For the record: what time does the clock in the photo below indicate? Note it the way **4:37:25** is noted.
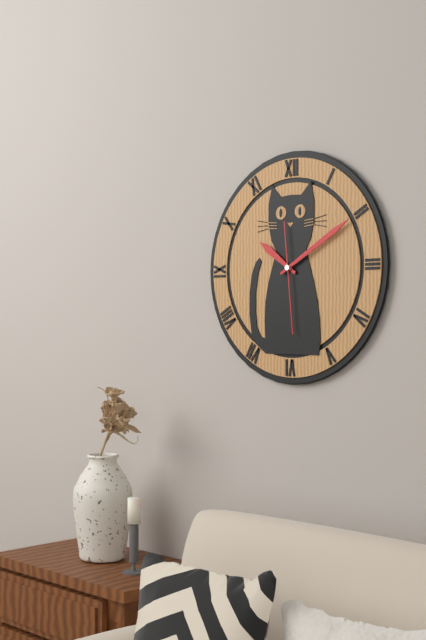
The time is **10:10:29**
